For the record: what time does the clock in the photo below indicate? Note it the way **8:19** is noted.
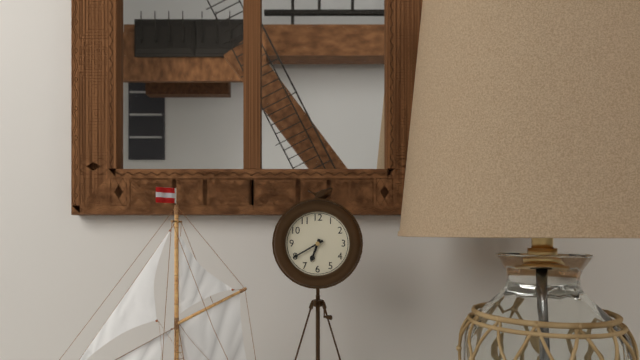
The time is **6:40**
